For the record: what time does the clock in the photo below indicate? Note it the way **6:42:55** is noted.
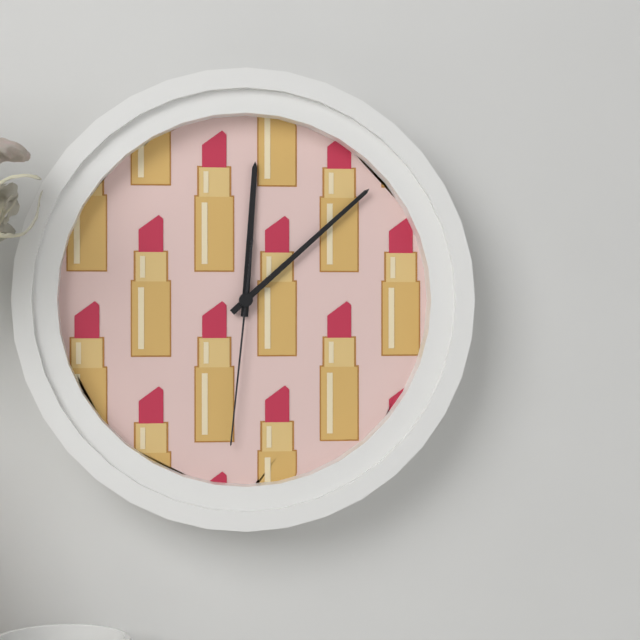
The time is **12:08:31**
